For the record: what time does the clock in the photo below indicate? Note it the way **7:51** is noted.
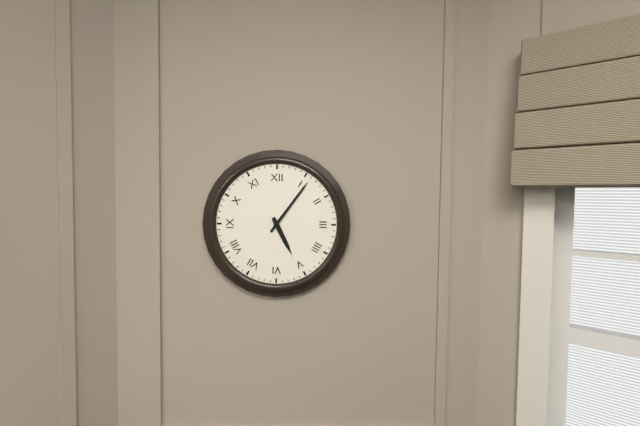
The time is **5:06**
